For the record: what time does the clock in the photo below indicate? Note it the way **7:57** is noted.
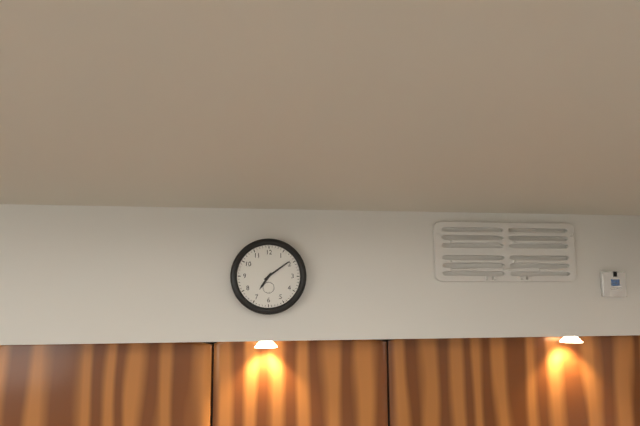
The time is **7:09**
